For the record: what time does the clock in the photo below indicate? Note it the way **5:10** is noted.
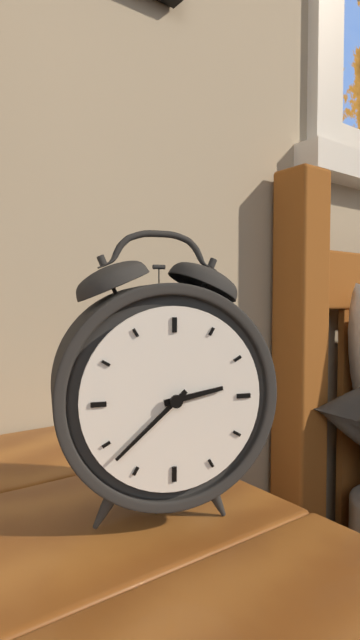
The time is **2:38**
